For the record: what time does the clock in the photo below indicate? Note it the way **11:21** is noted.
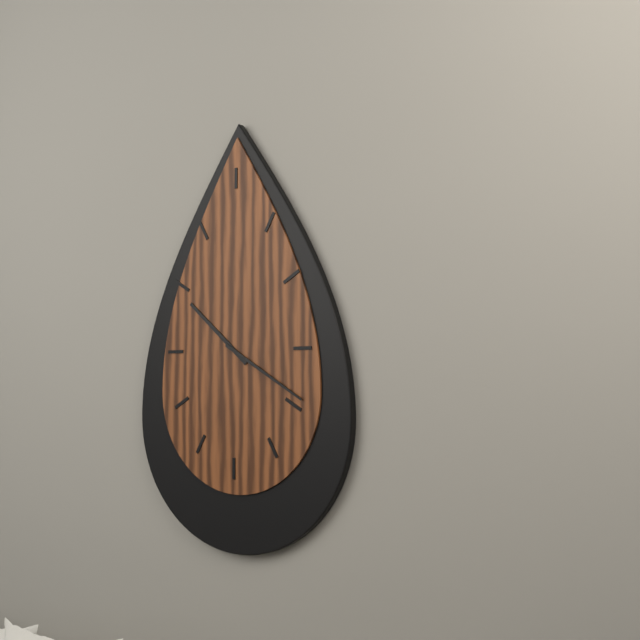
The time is **10:20**
